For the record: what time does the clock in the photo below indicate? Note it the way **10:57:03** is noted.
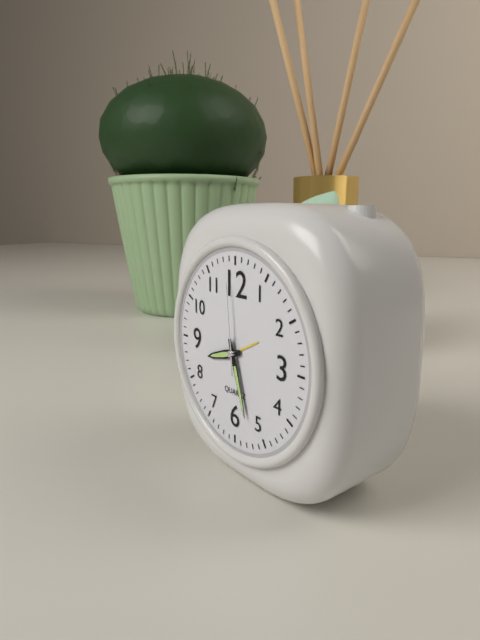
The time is **8:27:59**
